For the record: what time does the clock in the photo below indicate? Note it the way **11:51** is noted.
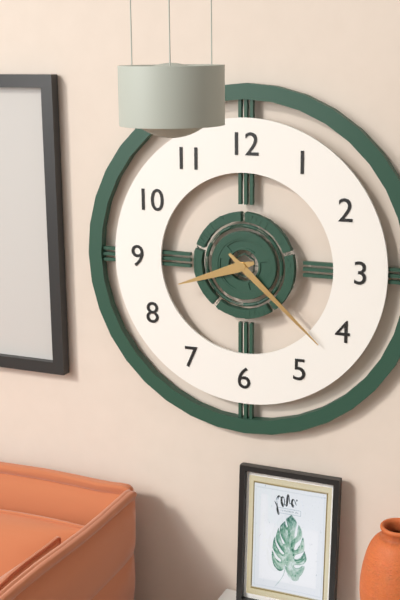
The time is **8:22**
